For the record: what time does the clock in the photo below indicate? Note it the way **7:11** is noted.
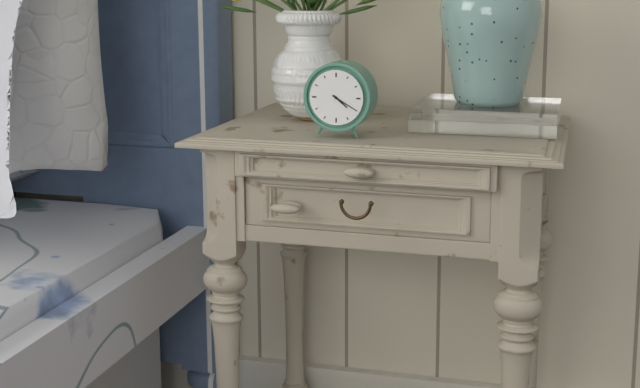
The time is **4:20**
